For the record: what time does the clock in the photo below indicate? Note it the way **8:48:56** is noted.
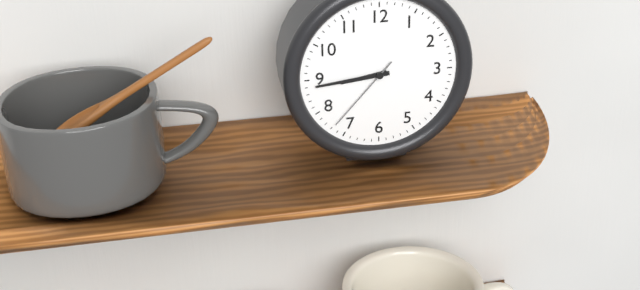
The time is **8:44:37**
